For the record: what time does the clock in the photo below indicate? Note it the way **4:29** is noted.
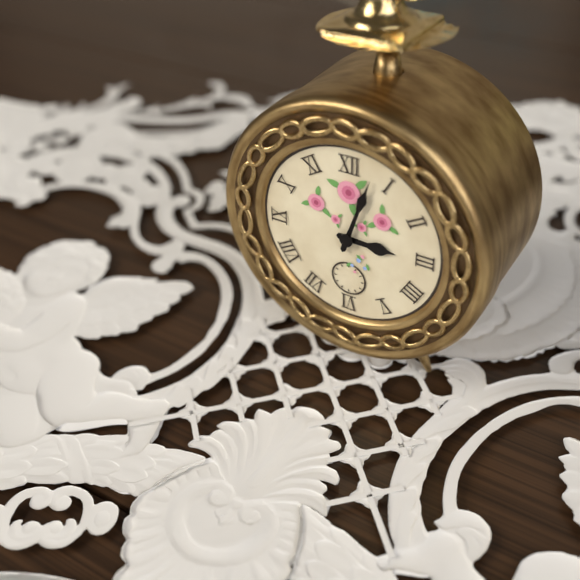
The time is **3:03**
